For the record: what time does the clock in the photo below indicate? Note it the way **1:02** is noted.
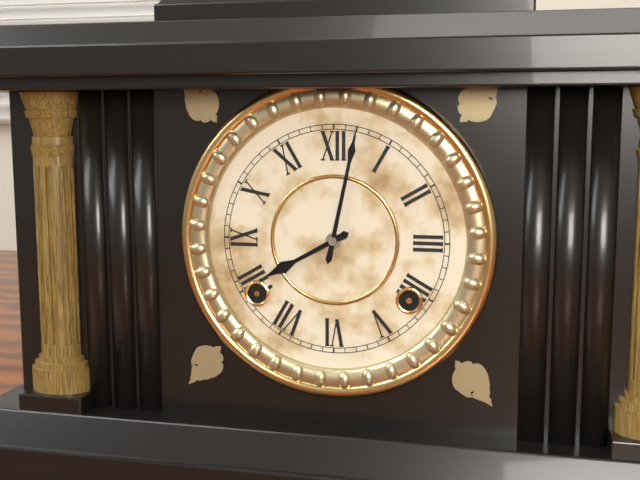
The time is **8:02**
